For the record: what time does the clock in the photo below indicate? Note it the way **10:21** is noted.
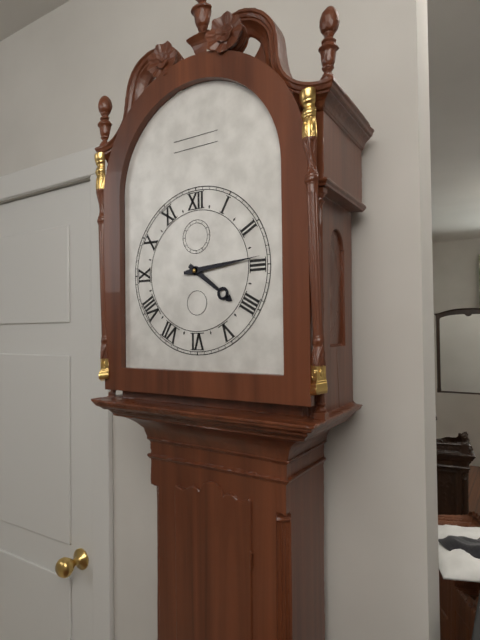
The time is **4:14**
